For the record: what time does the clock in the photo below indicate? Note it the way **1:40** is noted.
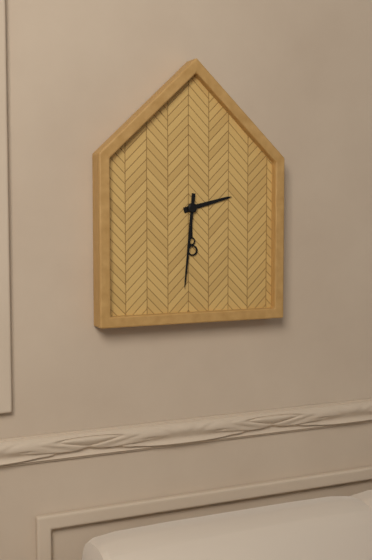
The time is **2:31**
